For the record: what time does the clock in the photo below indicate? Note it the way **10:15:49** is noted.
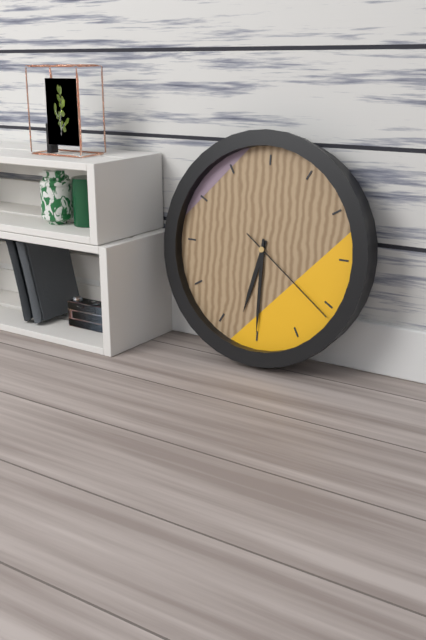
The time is **6:30:21**
